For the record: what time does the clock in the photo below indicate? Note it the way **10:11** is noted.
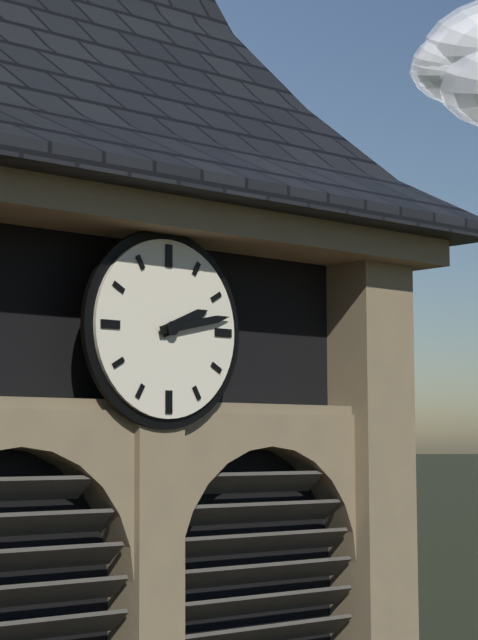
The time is **2:13**
